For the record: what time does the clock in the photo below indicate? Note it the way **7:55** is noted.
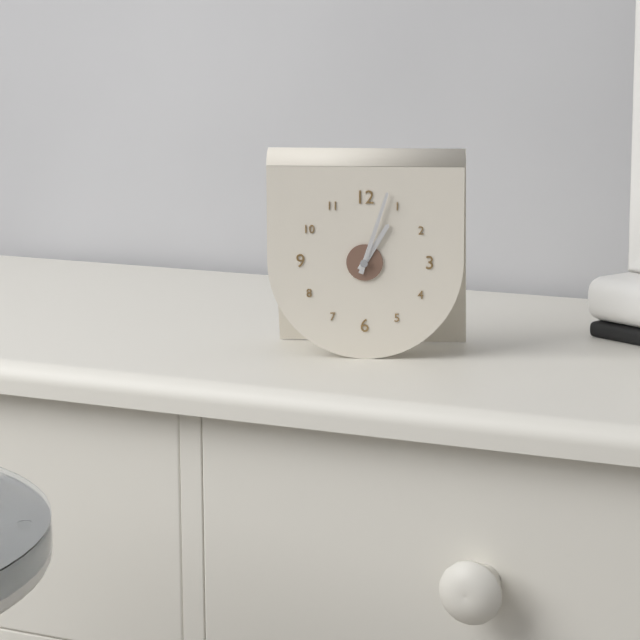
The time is **1:03**
